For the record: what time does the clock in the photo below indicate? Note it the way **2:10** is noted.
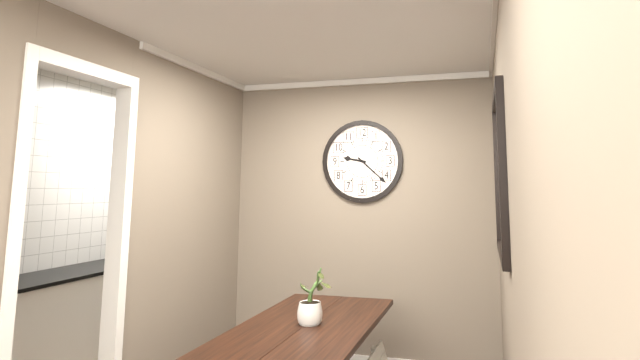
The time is **9:22**
